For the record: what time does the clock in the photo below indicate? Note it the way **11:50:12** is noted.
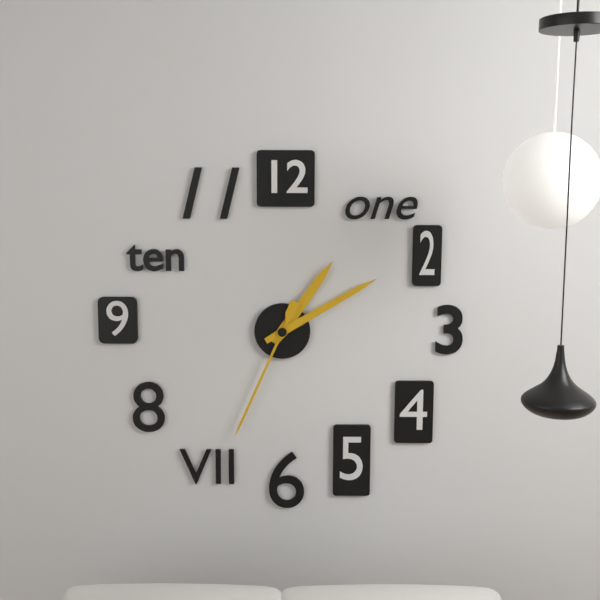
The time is **1:10:34**
